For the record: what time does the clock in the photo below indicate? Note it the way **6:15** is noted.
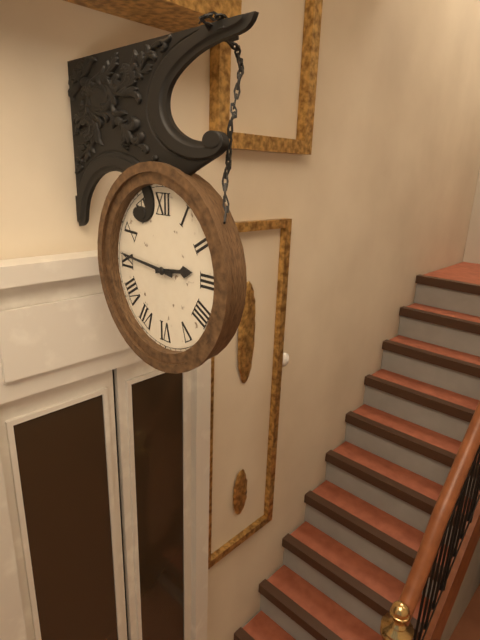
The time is **2:46**
